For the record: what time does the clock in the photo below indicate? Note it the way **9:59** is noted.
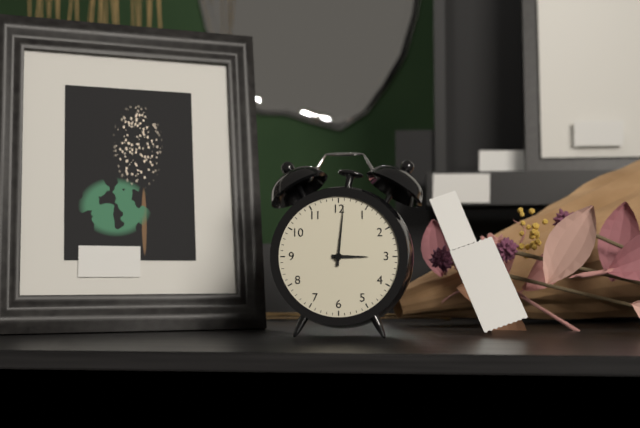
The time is **3:01**
